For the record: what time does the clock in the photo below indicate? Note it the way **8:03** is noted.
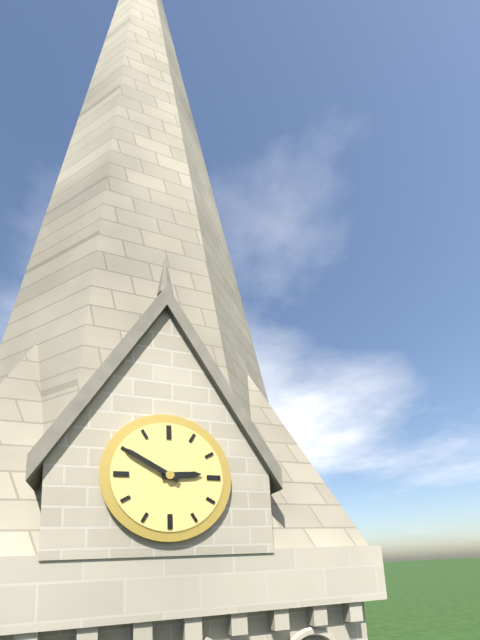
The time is **2:50**
